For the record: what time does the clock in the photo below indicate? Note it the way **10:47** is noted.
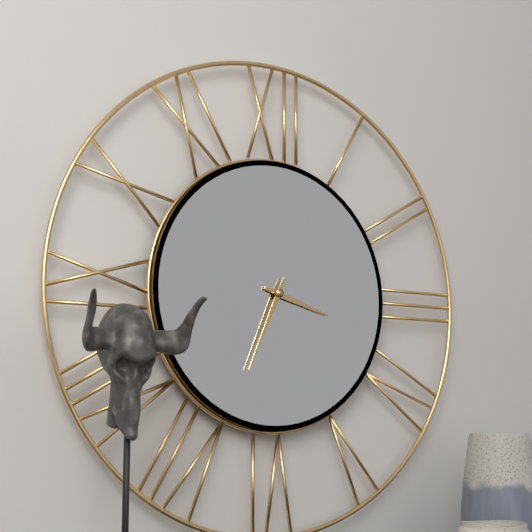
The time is **3:34**
